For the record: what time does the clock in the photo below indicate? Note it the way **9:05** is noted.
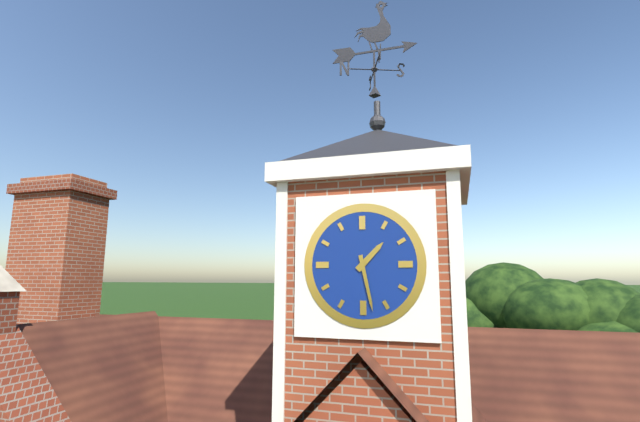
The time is **1:28**
